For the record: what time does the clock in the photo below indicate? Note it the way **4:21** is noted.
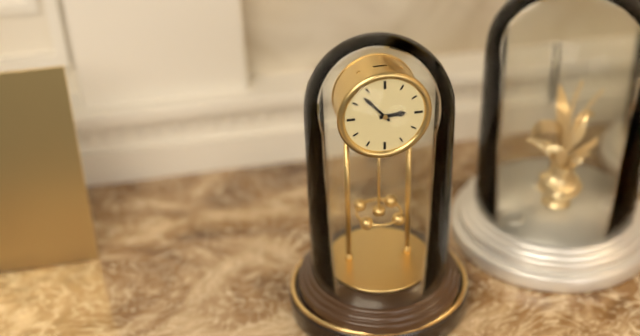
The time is **2:53**
